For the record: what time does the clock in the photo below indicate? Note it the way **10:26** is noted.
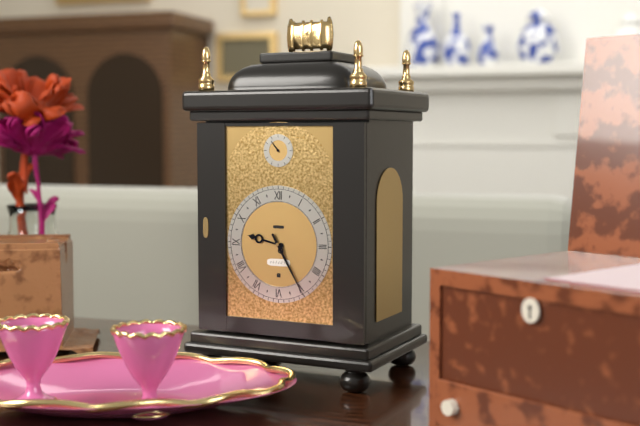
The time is **9:25**
